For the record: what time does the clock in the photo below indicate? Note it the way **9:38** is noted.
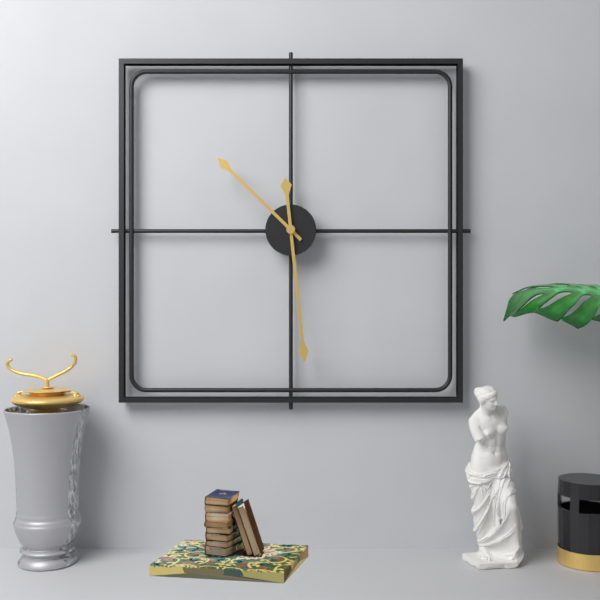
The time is **10:29**
